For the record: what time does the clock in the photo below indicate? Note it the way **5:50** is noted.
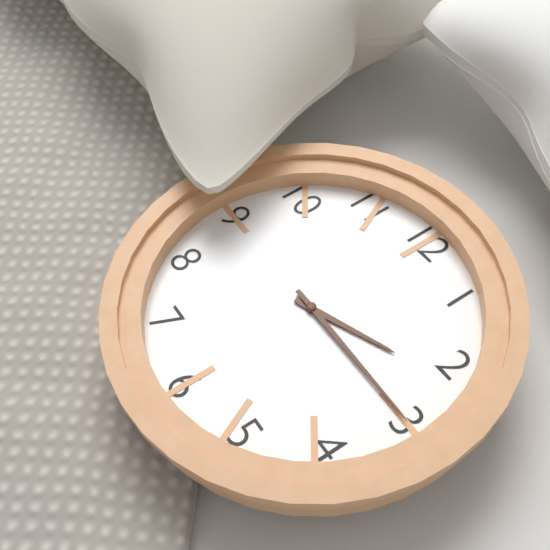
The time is **2:15**
